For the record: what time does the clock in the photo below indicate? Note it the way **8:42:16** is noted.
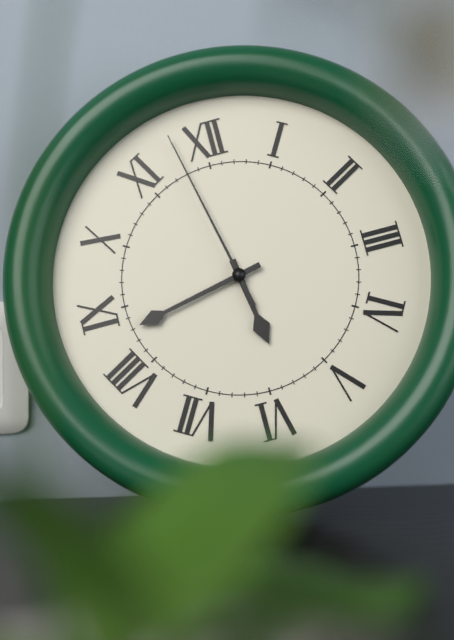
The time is **5:43:58**
